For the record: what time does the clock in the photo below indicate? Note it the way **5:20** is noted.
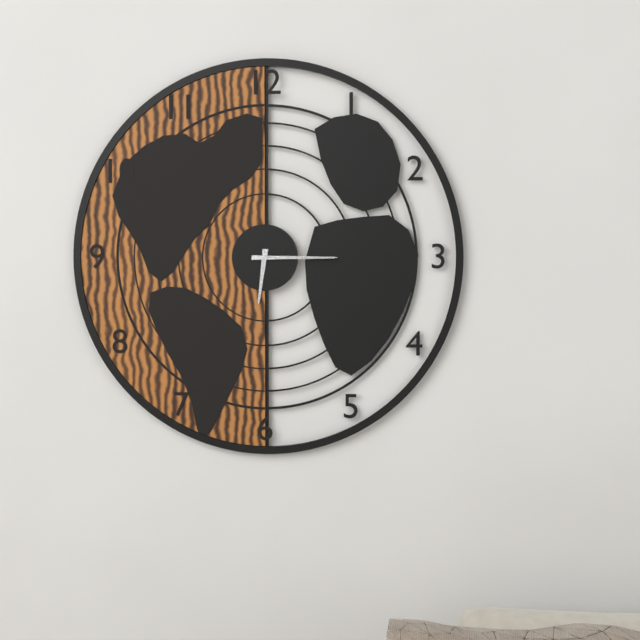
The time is **6:15**
